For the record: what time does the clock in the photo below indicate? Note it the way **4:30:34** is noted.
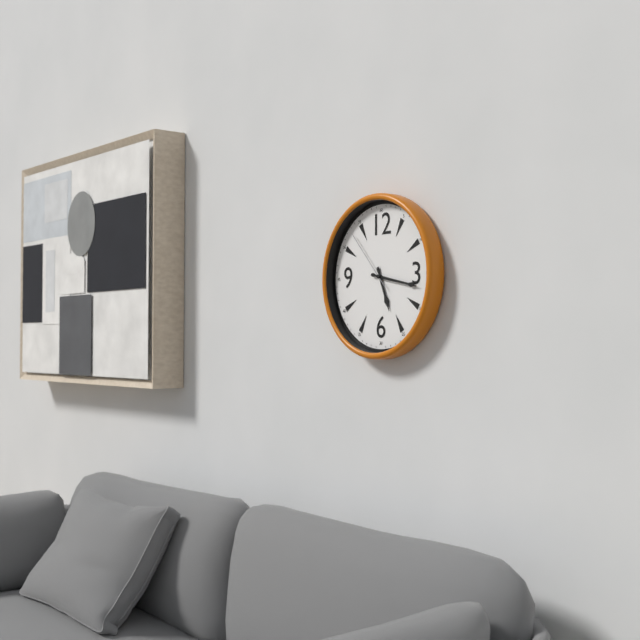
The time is **5:17:53**
